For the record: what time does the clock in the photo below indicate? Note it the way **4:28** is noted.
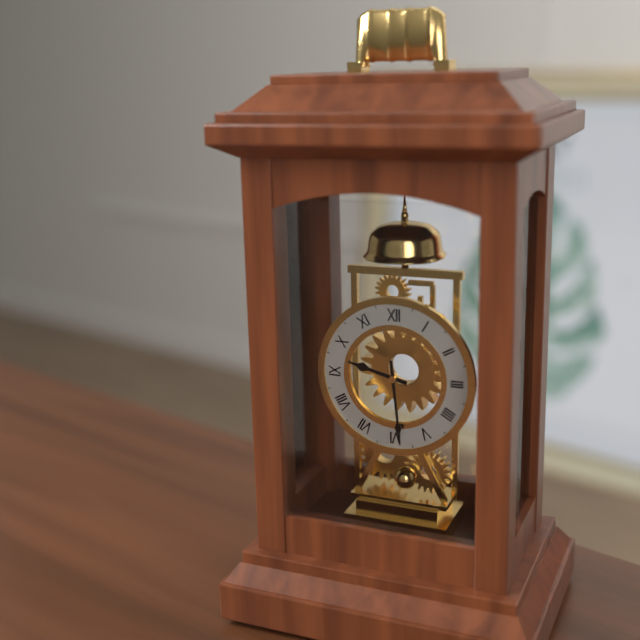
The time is **9:29**
